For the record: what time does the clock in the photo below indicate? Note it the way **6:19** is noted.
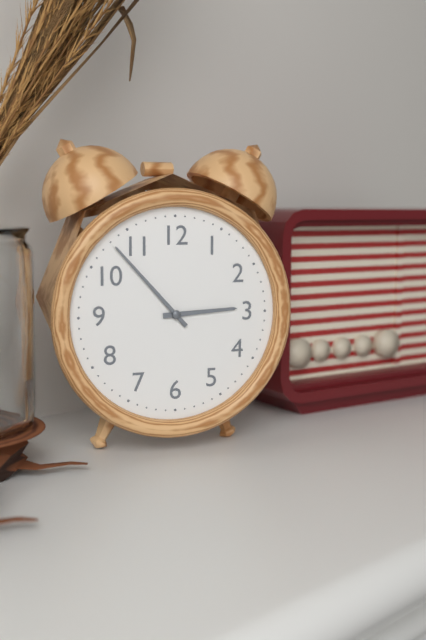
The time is **2:53**
